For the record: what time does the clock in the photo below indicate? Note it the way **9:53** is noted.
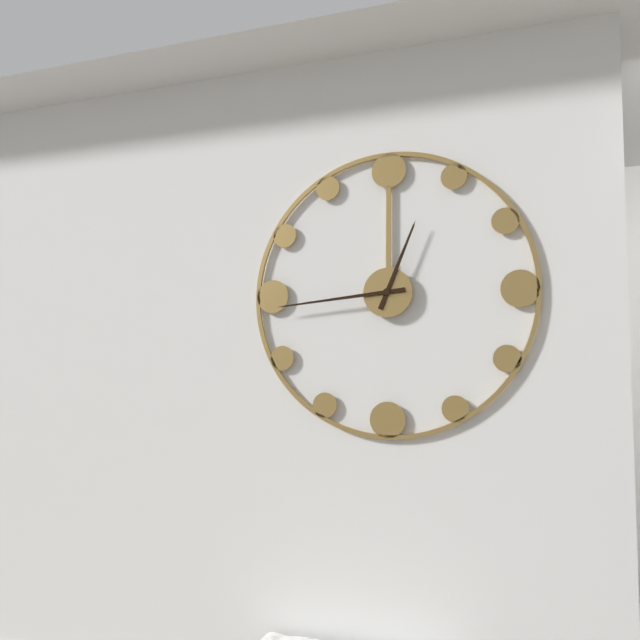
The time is **12:44**
